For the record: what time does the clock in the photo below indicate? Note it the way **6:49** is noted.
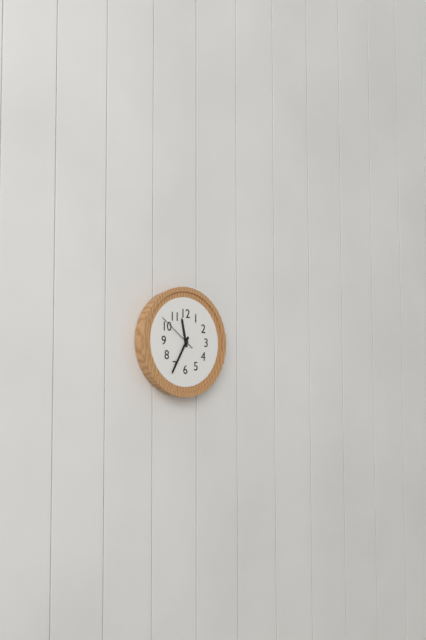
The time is **11:35**
